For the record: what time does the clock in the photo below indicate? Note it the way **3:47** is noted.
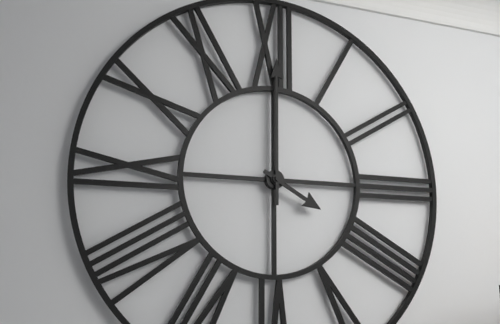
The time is **4:00**
